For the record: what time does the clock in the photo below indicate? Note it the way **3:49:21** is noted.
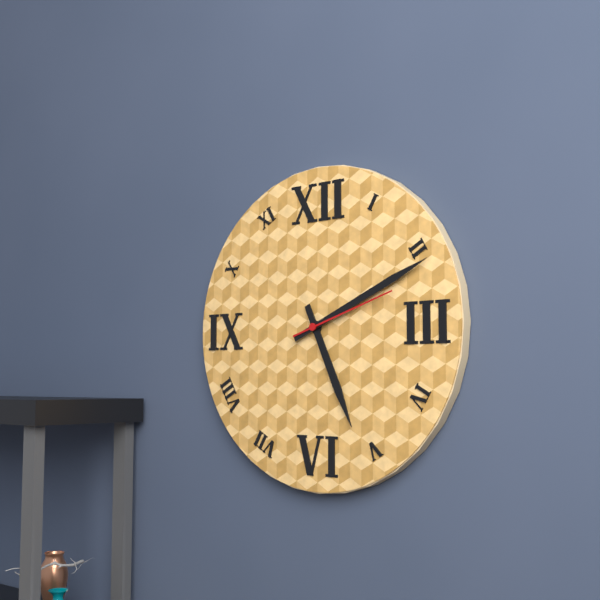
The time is **5:11:12**
